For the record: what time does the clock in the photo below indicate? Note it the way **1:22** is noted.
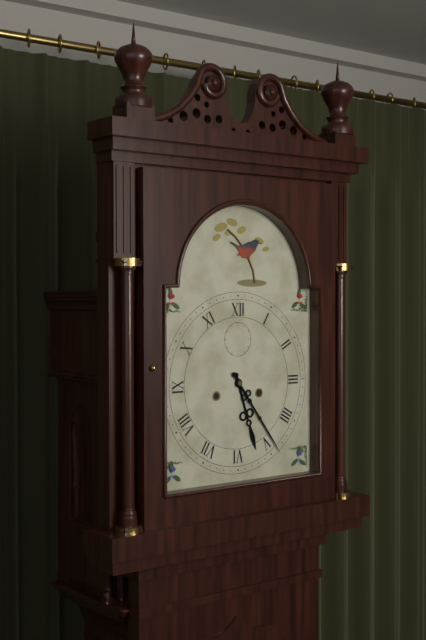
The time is **5:24**
